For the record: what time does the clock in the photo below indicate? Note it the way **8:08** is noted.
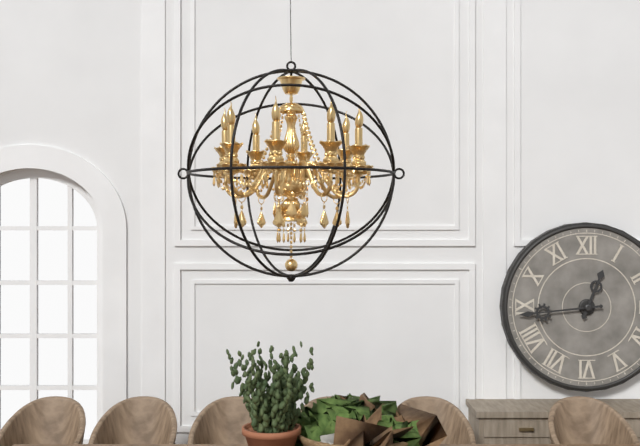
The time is **12:44**
